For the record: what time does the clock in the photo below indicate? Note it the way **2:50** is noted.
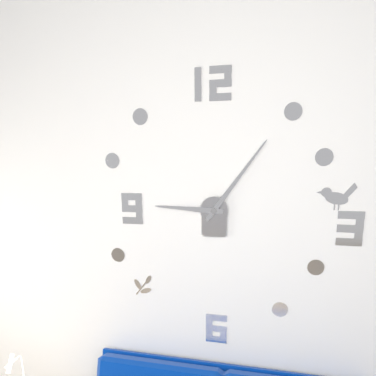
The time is **9:06**
